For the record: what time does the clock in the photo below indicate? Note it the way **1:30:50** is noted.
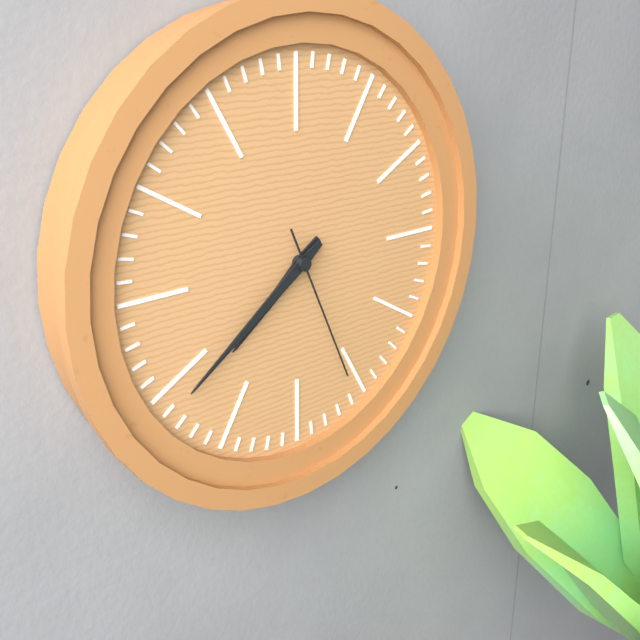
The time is **7:39:26**
